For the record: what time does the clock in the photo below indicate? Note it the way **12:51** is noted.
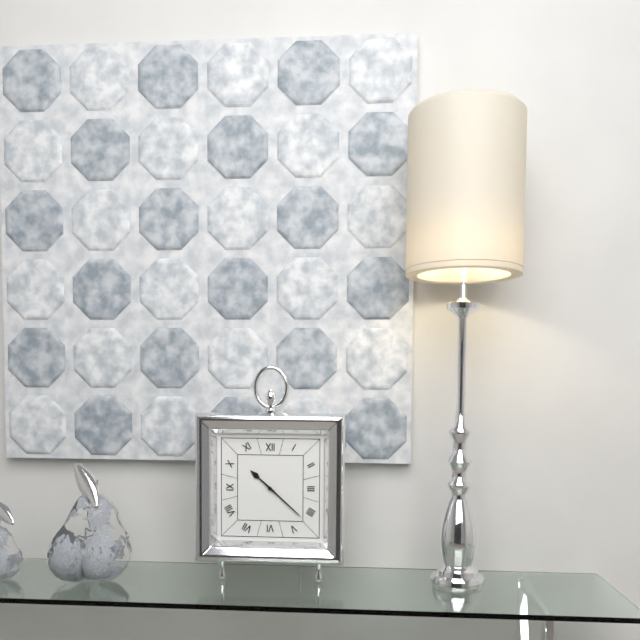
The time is **10:22**
